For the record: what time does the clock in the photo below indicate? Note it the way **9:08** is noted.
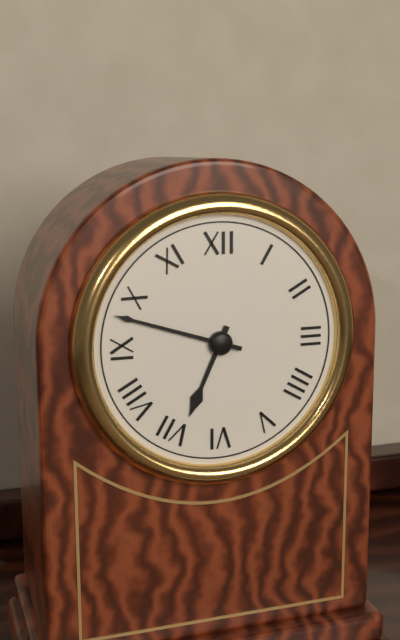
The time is **6:48**
